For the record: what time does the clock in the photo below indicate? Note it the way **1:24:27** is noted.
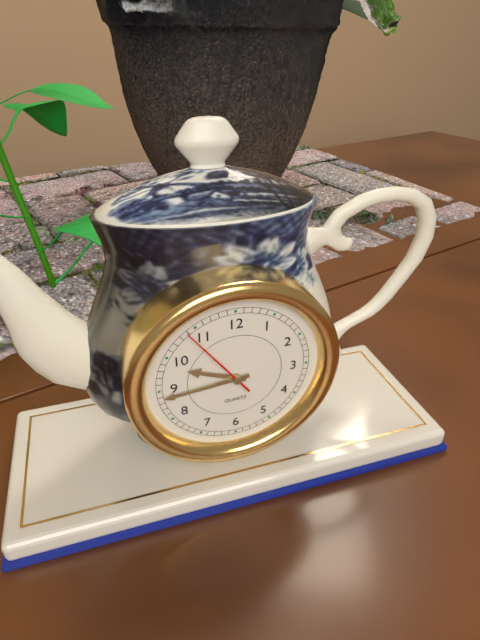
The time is **9:44:54**
